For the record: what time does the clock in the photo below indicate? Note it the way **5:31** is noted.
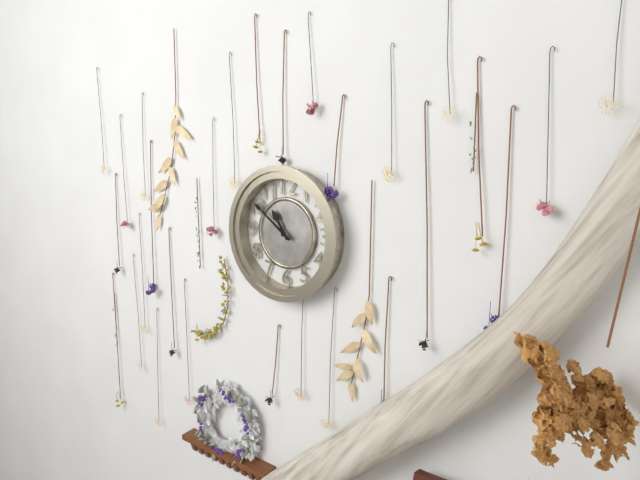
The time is **10:51**
